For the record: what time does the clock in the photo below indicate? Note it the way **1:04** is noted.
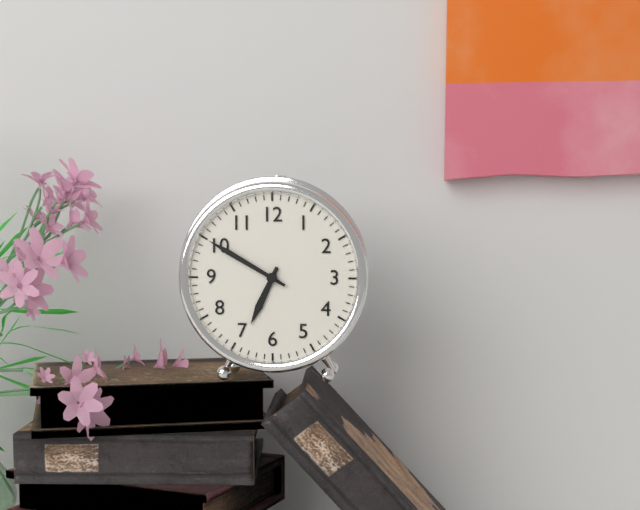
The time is **6:50**
